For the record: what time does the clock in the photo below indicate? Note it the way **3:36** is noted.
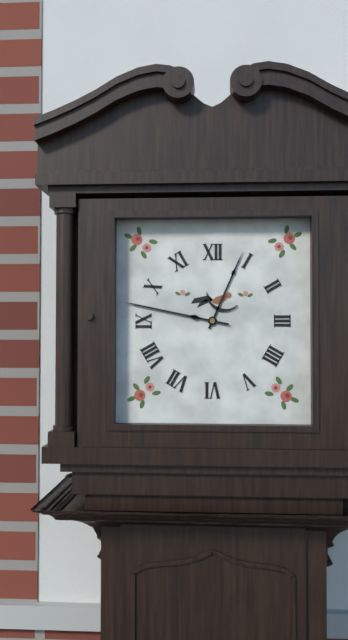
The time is **12:47**
